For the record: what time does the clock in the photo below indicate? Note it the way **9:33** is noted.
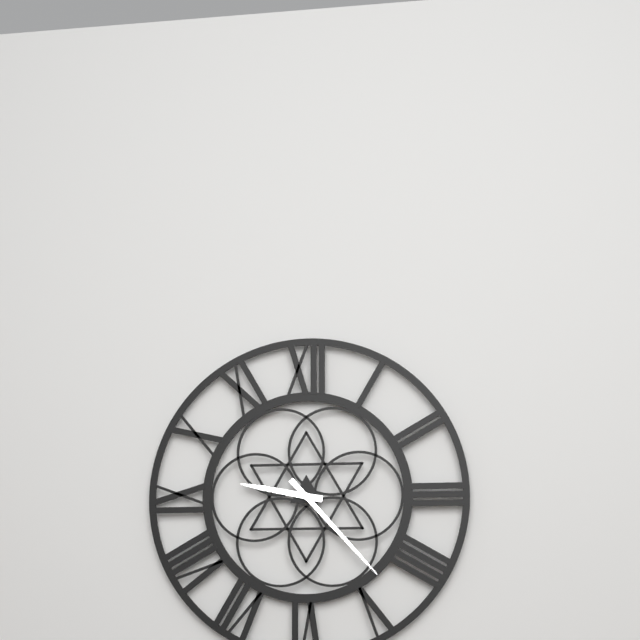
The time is **9:23**
